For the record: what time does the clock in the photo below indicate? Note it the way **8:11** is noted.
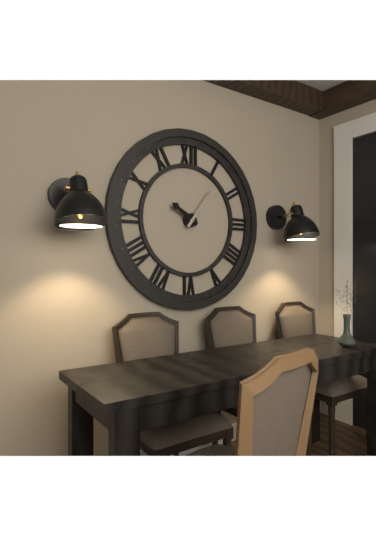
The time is **10:06**
